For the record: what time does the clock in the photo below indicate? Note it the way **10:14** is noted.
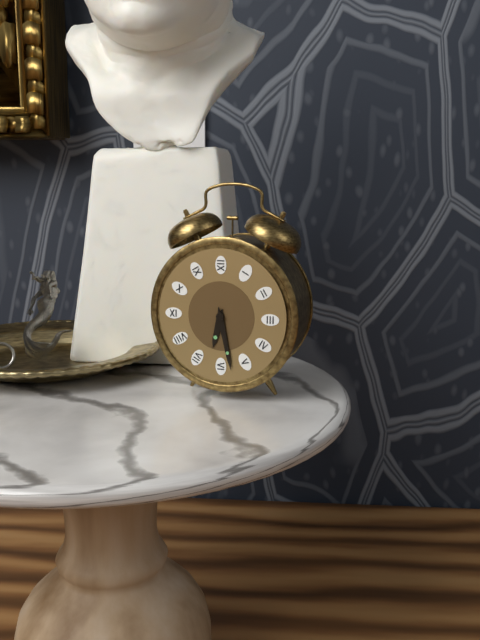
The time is **6:28**
